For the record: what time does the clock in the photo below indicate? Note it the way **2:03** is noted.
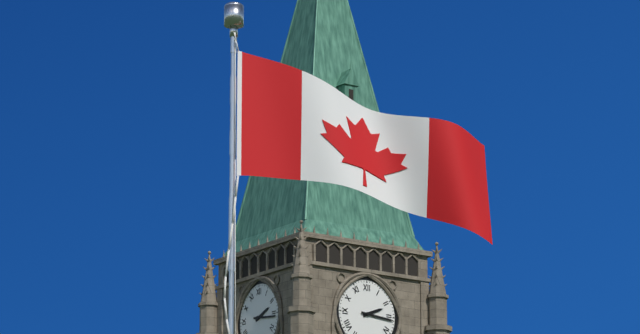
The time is **2:16**
